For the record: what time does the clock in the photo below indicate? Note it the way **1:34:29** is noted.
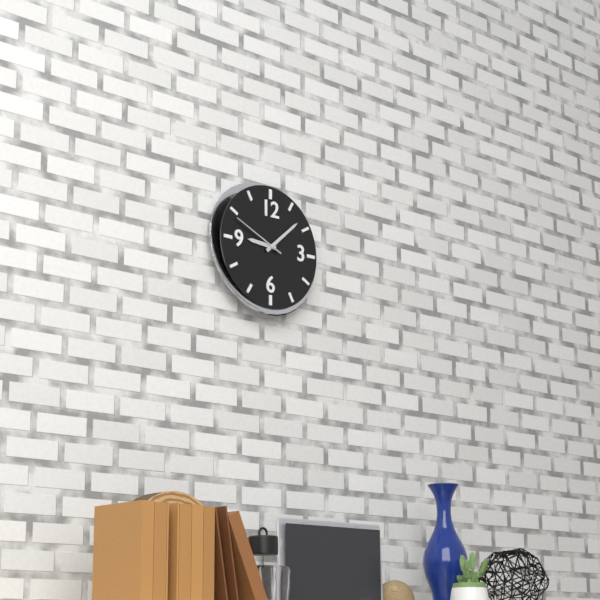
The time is **9:08:49**
